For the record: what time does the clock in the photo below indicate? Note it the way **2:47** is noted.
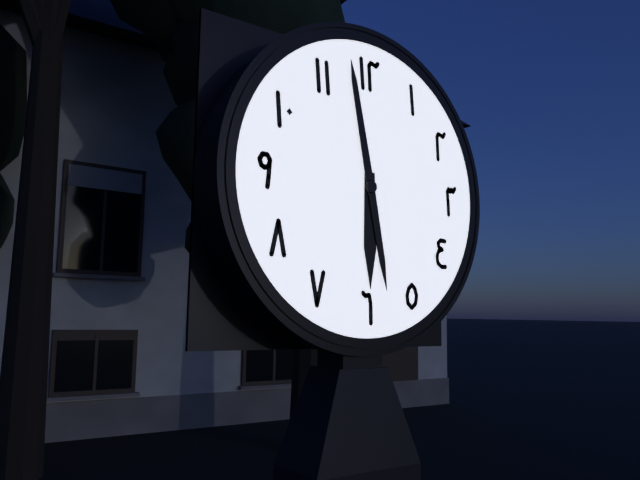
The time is **5:58**
